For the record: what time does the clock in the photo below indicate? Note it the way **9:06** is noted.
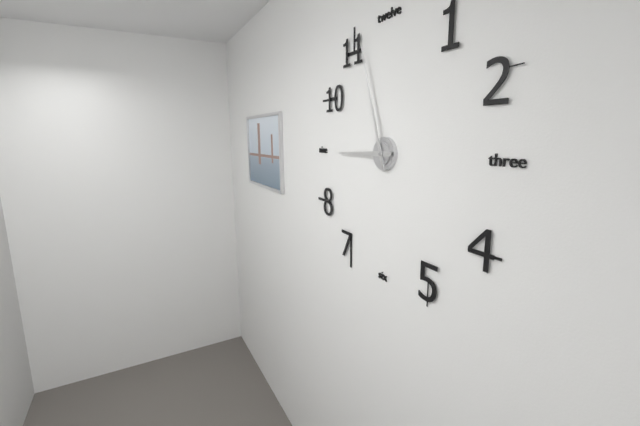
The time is **8:57**
